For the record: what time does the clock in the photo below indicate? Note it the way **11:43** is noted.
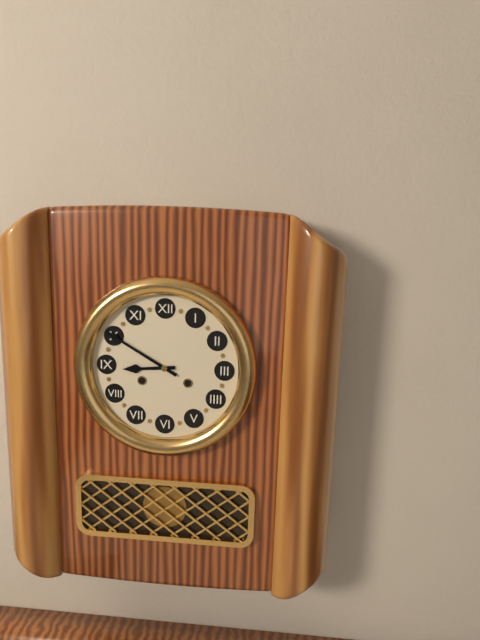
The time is **8:50**
